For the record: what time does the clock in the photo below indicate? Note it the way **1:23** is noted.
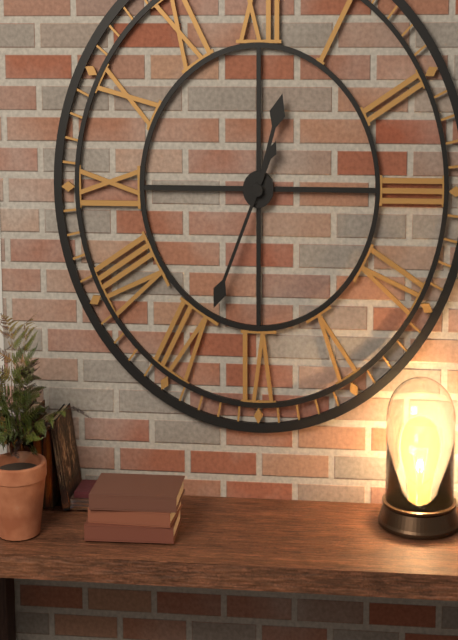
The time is **12:34**
